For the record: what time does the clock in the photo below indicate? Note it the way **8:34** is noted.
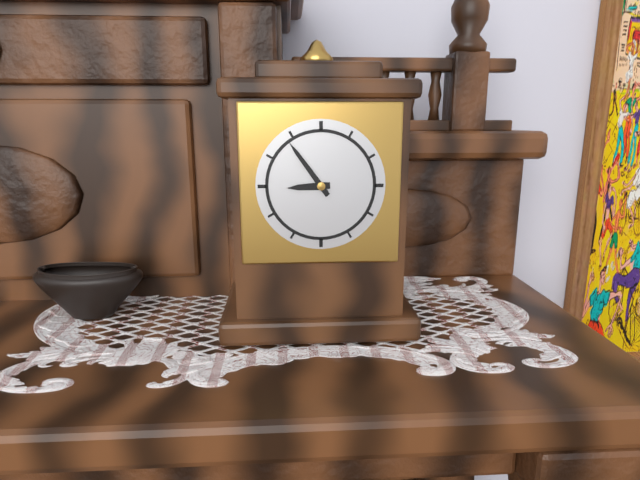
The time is **8:54**
